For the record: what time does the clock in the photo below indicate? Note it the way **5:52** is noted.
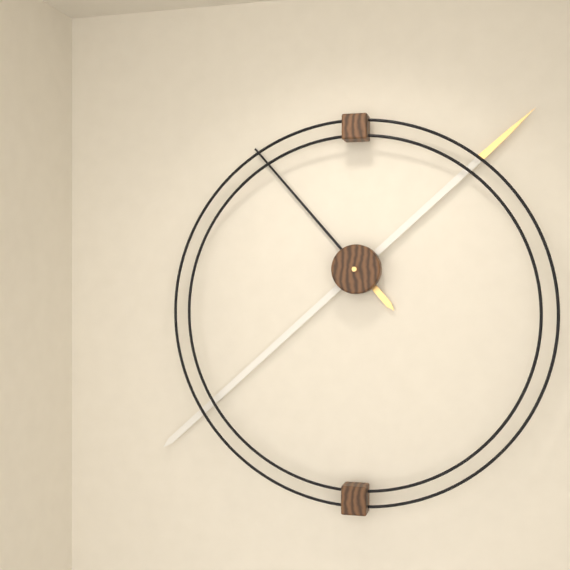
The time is **10:38**
